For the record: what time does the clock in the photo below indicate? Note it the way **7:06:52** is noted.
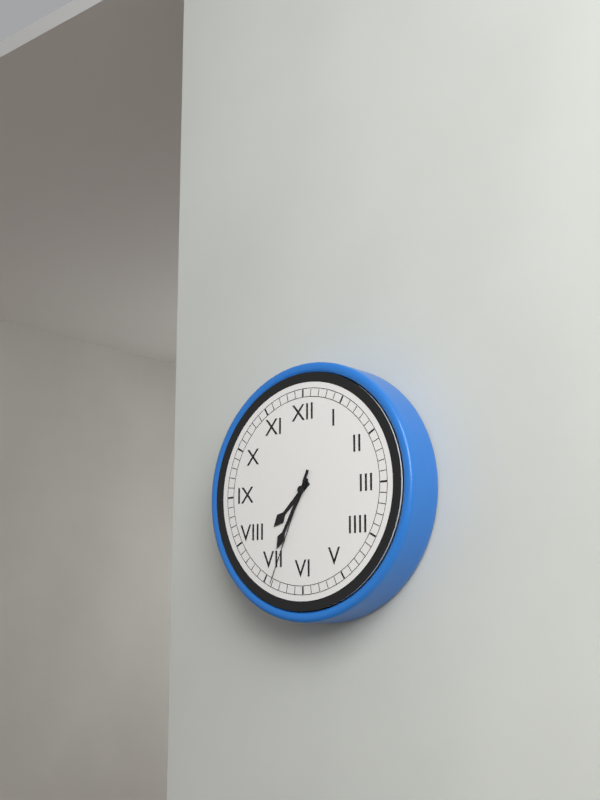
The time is **7:35:34**
